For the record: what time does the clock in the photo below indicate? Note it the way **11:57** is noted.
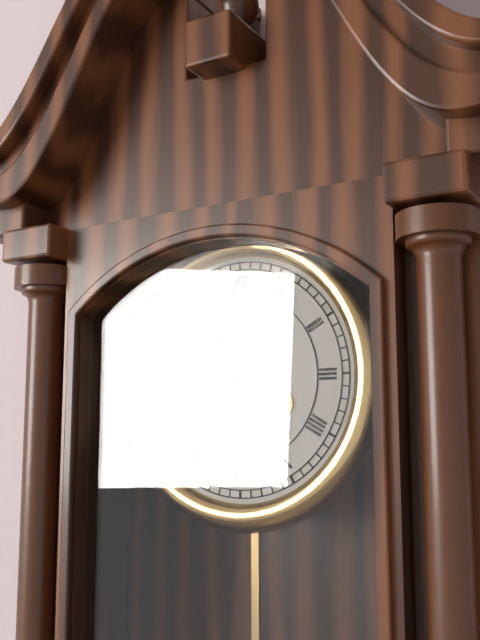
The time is **10:45**
